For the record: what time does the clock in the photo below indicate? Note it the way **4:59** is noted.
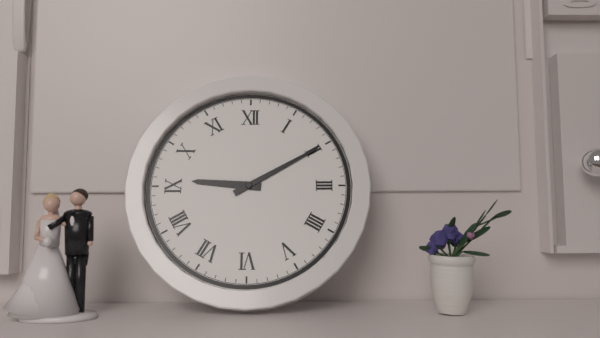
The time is **9:10**
